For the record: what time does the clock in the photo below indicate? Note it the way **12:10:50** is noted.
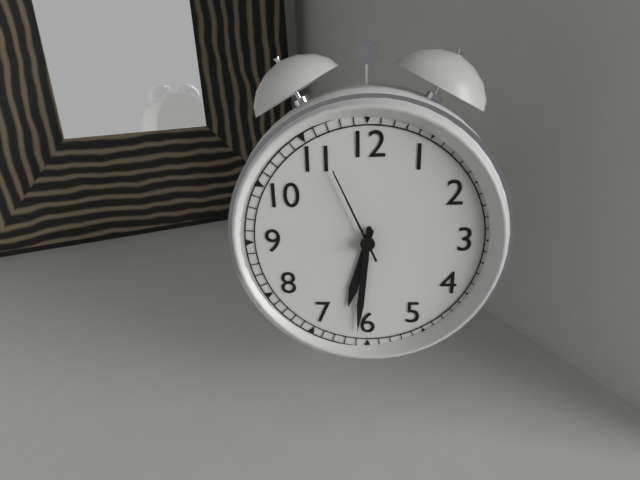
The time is **6:31:56**
